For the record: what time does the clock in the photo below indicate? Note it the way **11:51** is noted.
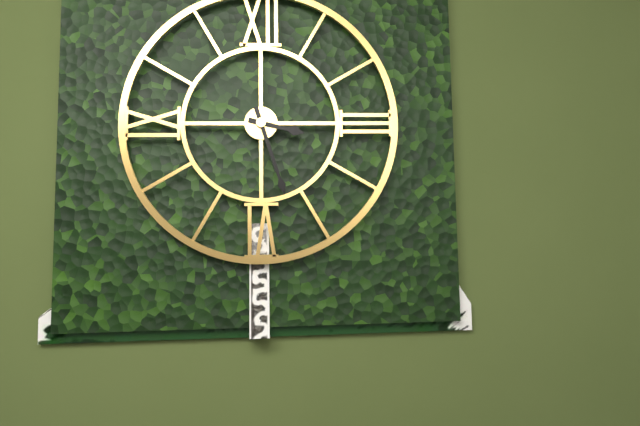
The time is **3:27**
